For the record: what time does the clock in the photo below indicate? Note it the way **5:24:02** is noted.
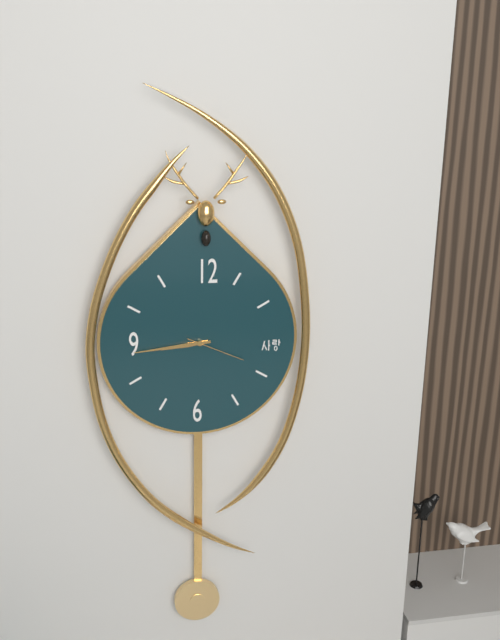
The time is **8:44:19**
